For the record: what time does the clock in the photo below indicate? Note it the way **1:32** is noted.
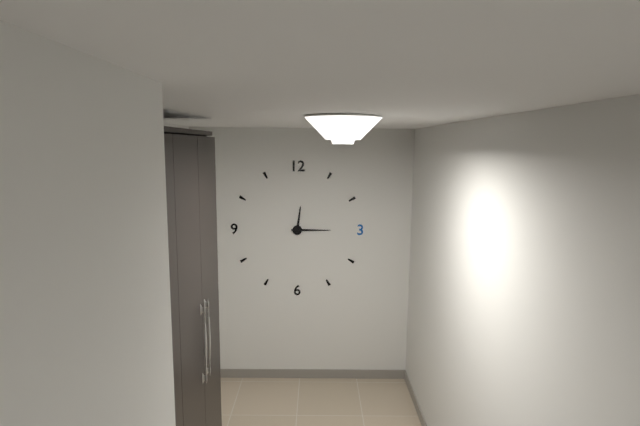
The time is **12:15**
